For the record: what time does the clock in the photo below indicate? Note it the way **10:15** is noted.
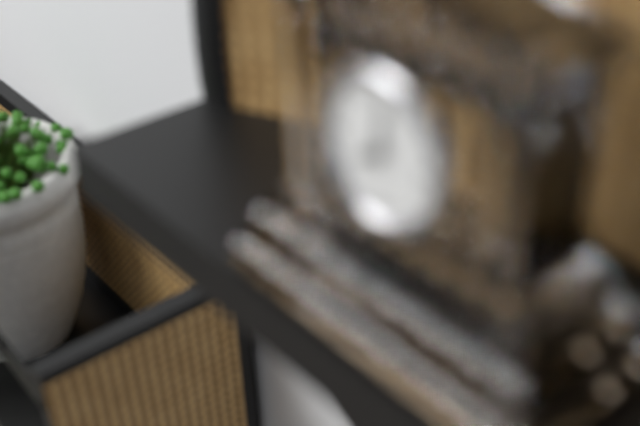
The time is **8:01**
